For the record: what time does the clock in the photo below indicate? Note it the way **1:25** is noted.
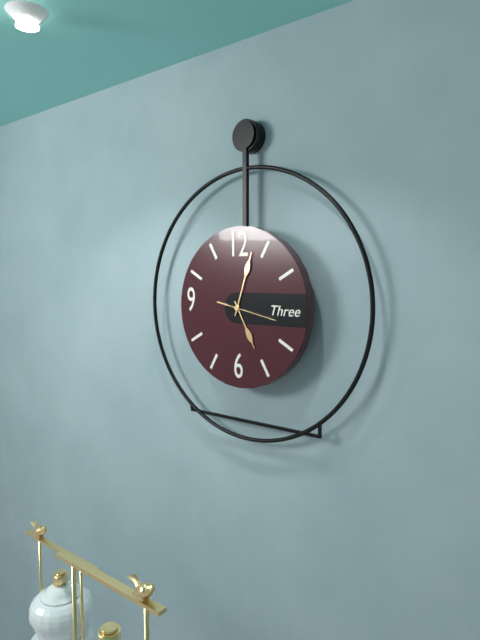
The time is **5:03**
